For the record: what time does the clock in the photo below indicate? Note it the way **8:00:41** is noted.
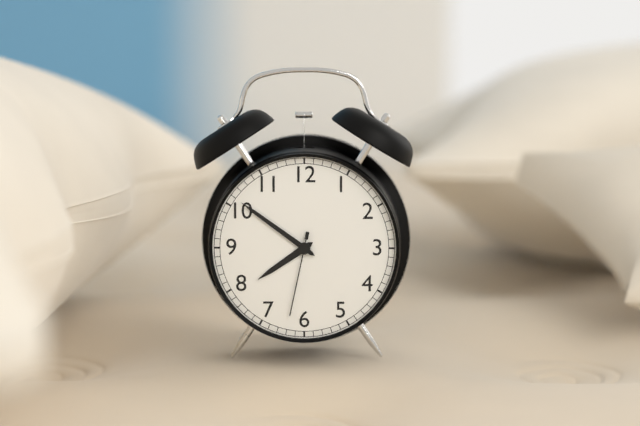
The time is **7:51:32**
